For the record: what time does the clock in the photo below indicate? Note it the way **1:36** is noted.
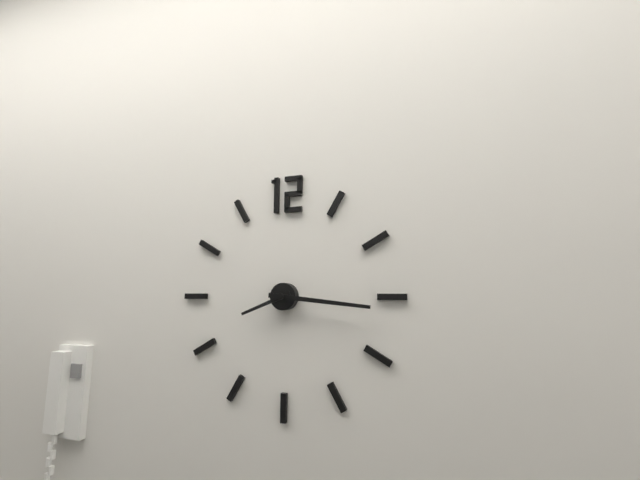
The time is **8:16**
